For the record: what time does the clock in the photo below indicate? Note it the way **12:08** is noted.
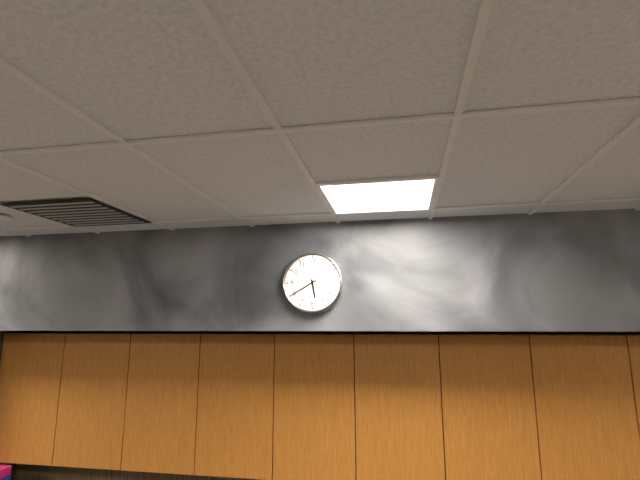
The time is **5:40**
